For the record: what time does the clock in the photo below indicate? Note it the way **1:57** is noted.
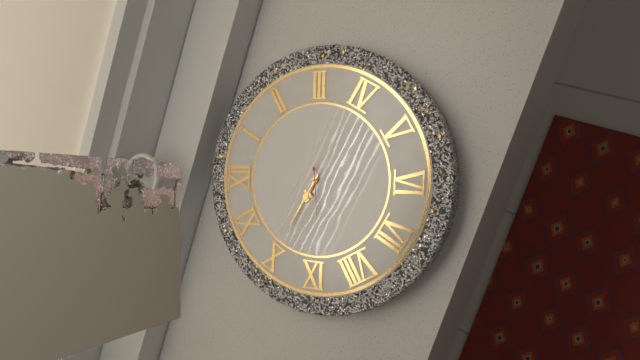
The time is **9:50**
